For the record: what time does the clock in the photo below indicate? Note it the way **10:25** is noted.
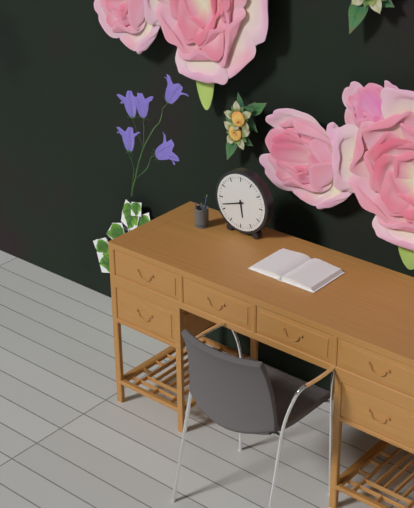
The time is **5:42**
